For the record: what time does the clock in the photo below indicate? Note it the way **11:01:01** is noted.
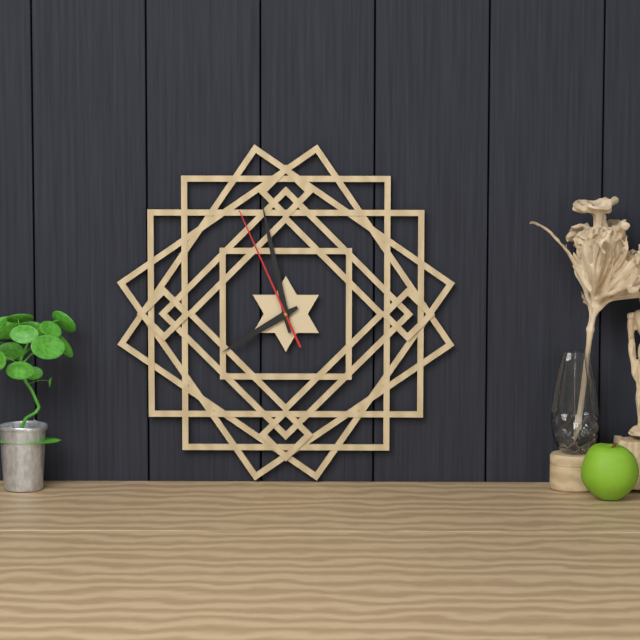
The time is **7:58:56**
